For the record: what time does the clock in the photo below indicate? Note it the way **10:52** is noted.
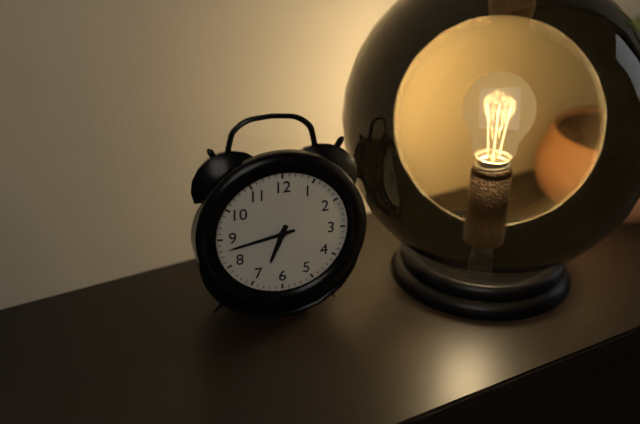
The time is **6:43**
